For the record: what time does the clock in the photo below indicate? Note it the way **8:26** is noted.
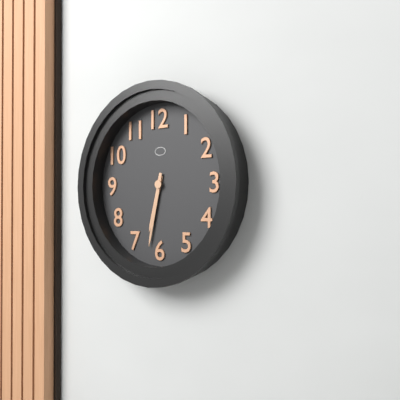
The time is **6:32**
